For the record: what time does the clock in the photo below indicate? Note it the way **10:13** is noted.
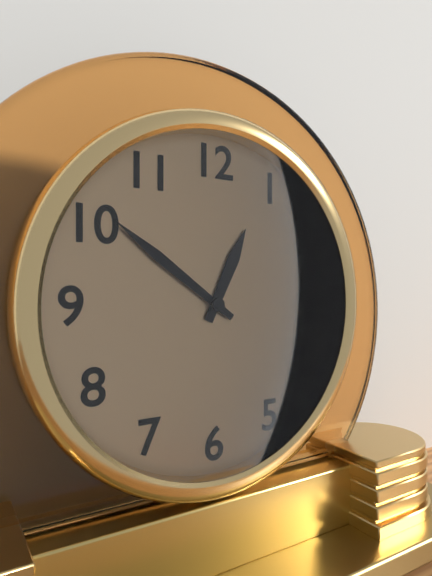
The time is **12:51**
